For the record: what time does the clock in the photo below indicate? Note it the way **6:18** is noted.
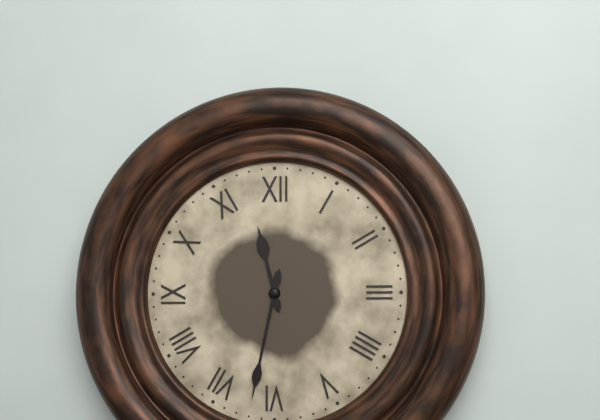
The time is **11:32**
